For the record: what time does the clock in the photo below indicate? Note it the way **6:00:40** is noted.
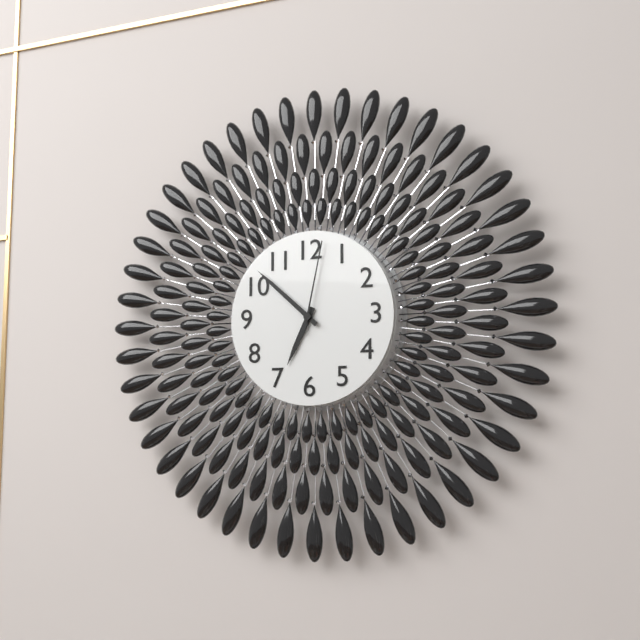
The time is **6:52:02**
